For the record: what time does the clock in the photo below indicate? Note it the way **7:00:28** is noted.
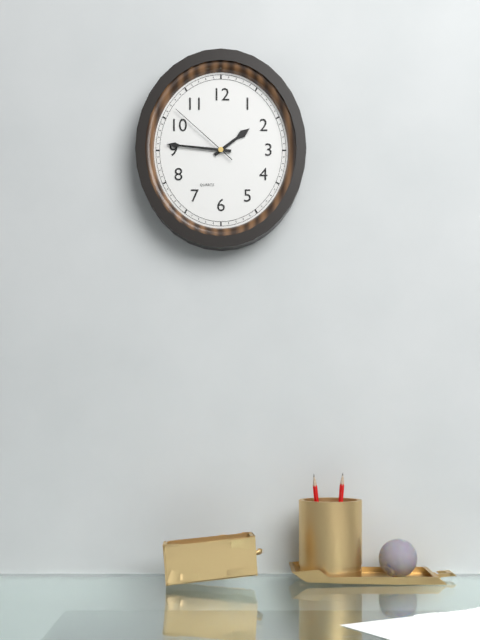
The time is **1:46:52**
